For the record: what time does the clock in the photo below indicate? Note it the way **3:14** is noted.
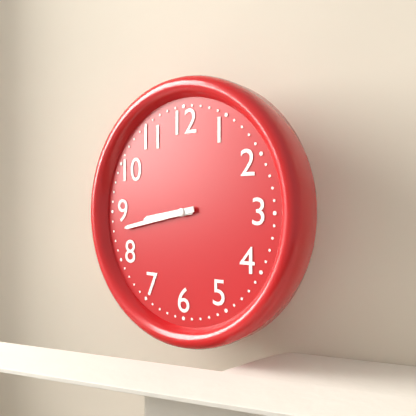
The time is **8:43**
